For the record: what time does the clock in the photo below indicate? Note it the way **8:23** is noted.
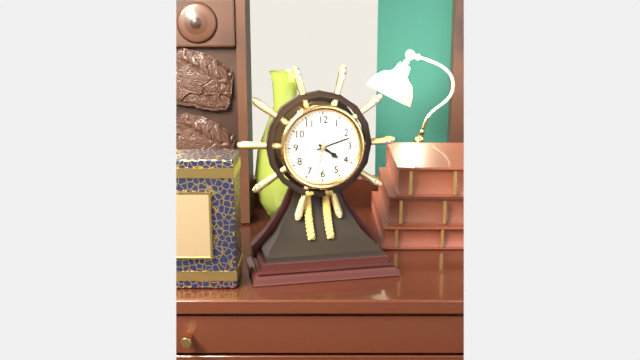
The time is **4:12**
